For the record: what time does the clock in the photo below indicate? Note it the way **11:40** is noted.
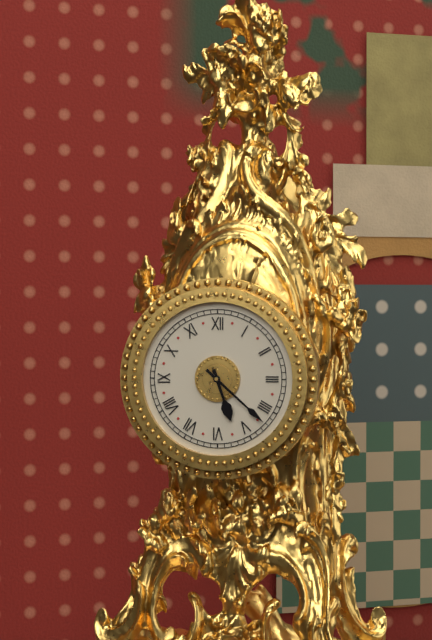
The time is **5:22**
